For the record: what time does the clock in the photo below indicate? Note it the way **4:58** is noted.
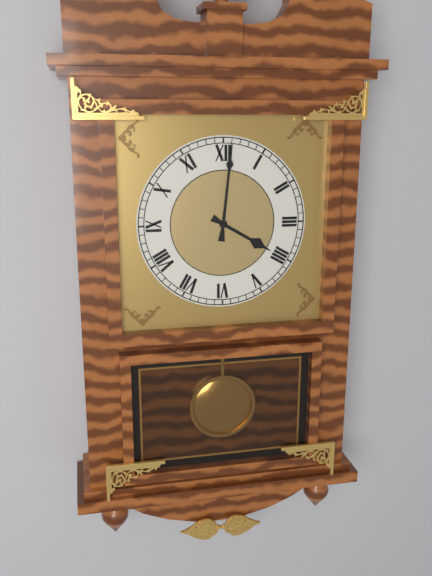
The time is **4:01**
